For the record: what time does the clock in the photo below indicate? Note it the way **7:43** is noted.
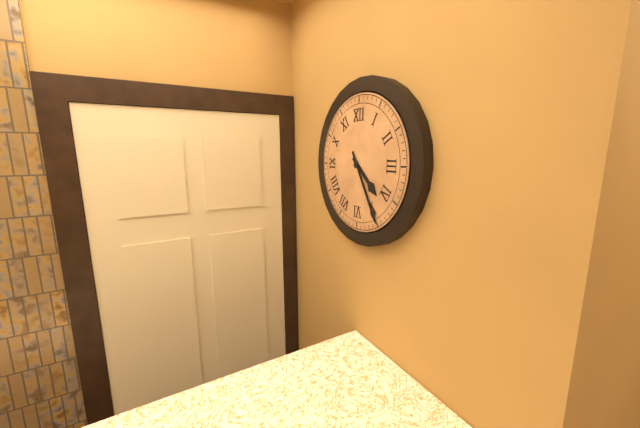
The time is **4:25**
